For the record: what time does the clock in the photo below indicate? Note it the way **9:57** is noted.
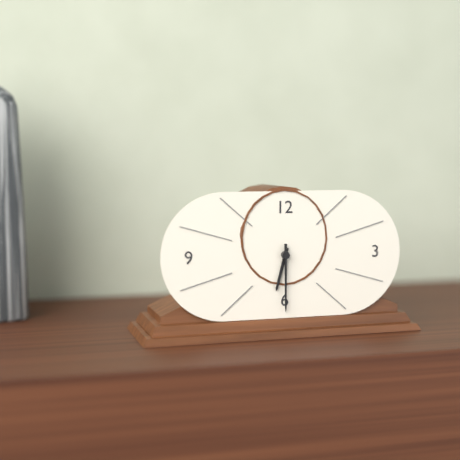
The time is **6:30**
